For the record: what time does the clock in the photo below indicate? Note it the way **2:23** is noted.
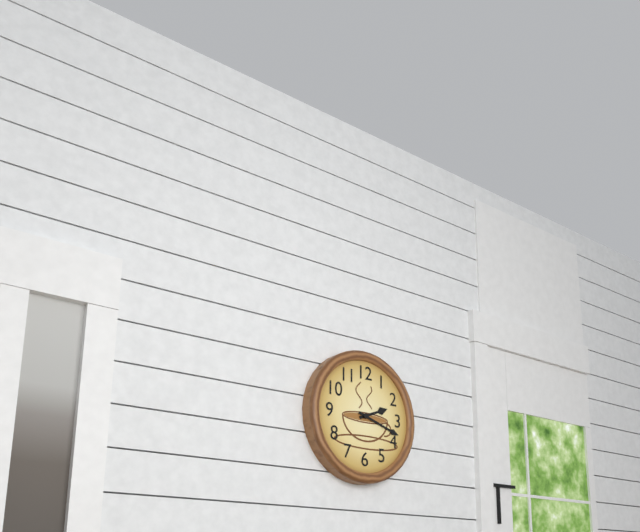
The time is **2:18**
